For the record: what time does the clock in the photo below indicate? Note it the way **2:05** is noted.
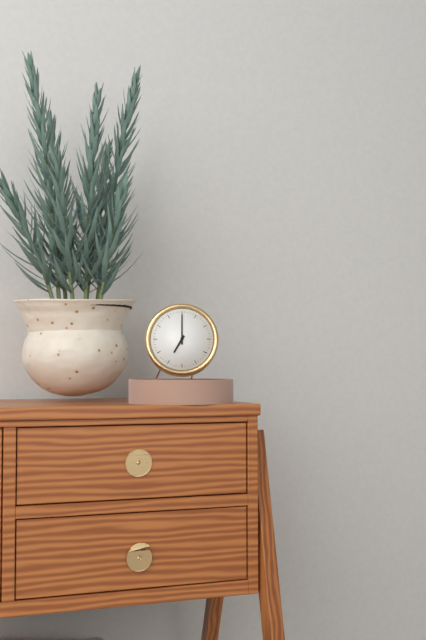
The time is **7:00**
